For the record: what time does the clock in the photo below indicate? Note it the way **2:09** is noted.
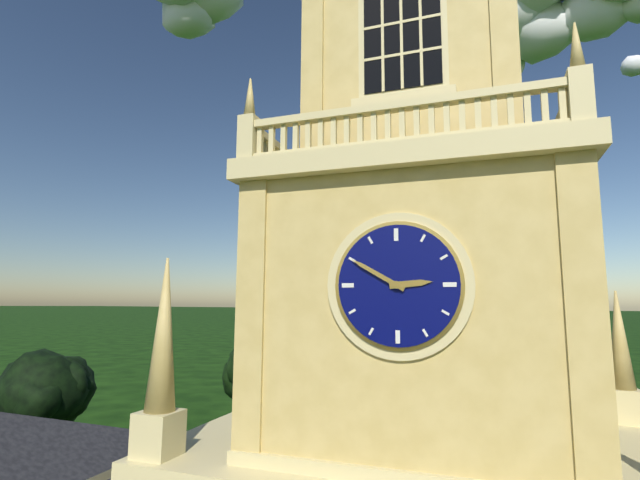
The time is **2:50**
